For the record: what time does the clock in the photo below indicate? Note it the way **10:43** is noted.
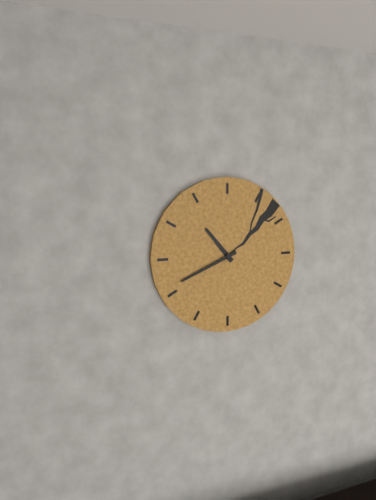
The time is **10:41**
